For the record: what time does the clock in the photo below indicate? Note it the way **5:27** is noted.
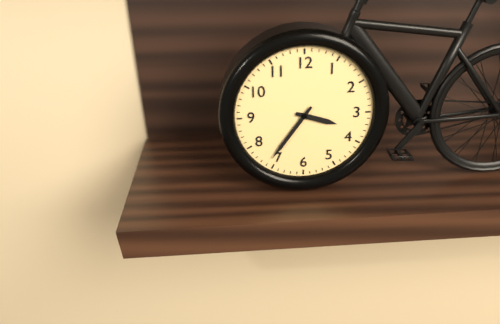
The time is **3:36**
